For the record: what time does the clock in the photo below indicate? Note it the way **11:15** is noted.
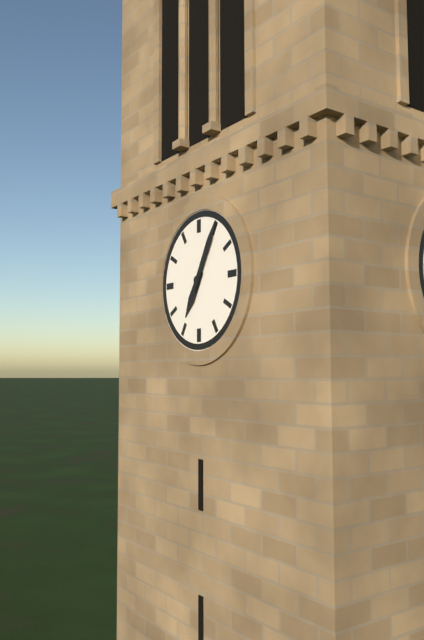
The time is **7:05**
